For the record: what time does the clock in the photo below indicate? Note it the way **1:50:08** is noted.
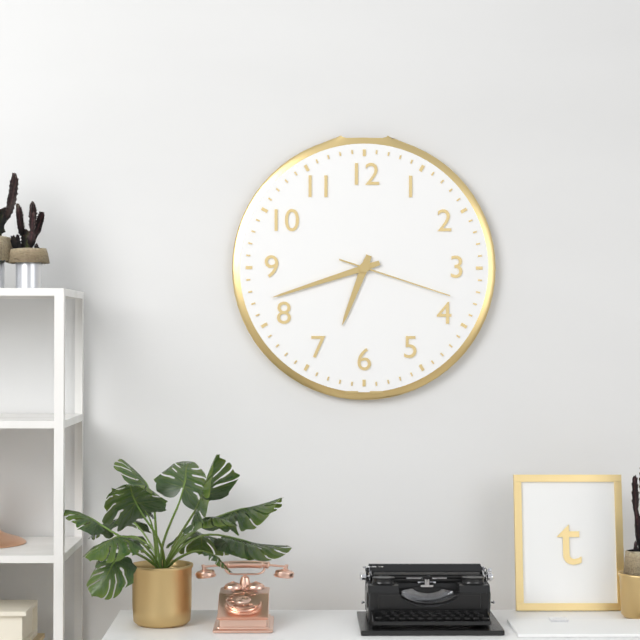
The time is **6:42:18**
